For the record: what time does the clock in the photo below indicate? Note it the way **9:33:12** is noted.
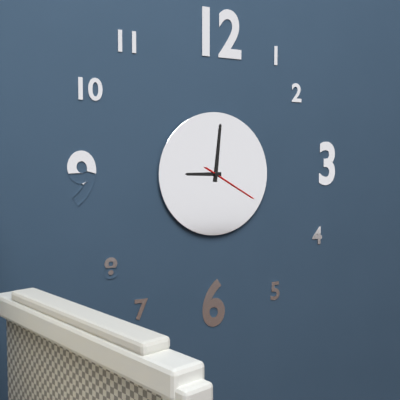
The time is **9:01:20**
